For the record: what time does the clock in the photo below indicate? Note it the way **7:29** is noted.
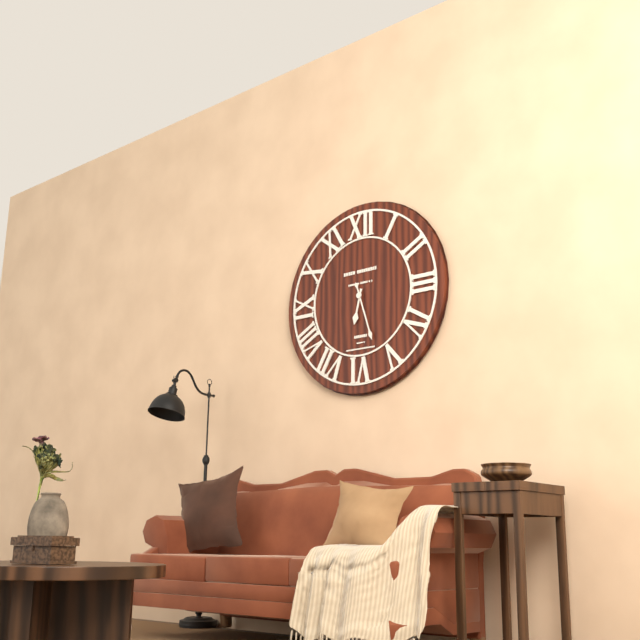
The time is **6:27**
